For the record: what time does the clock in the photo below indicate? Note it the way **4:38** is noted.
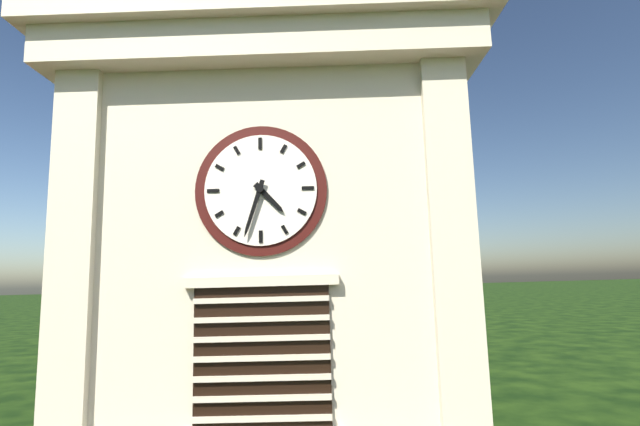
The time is **4:33**
